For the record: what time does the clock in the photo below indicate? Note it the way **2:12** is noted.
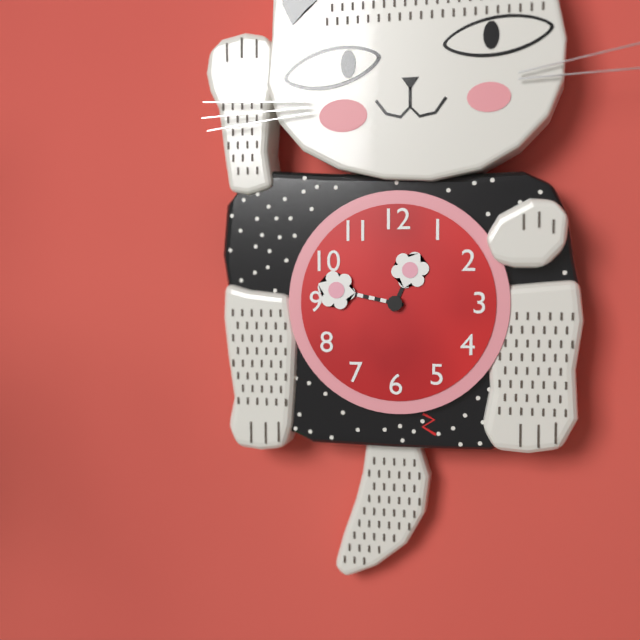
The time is **12:47**
